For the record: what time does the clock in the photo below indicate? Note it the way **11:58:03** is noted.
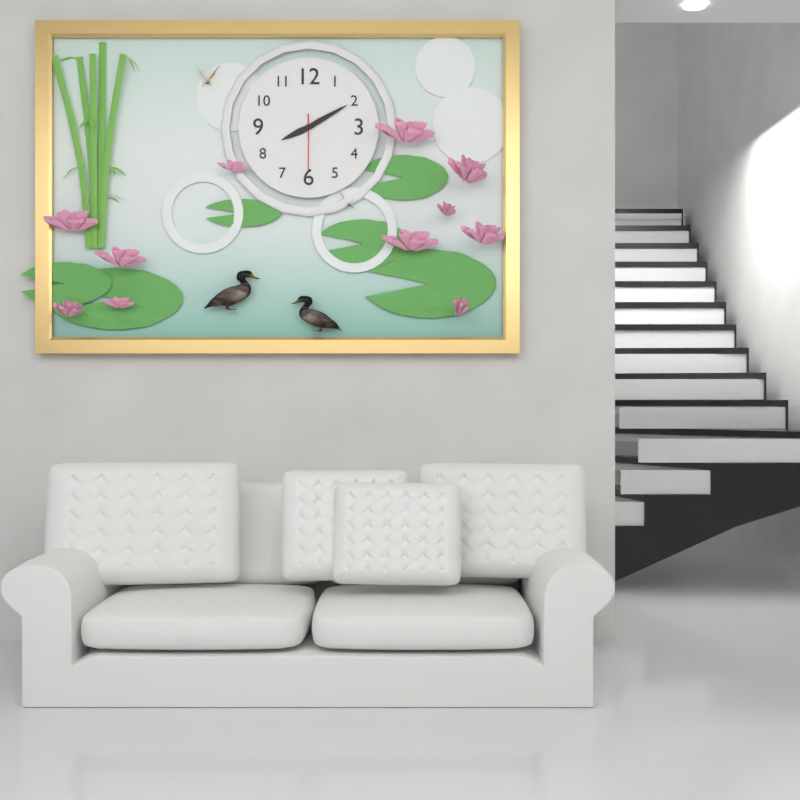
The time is **8:10:30**
